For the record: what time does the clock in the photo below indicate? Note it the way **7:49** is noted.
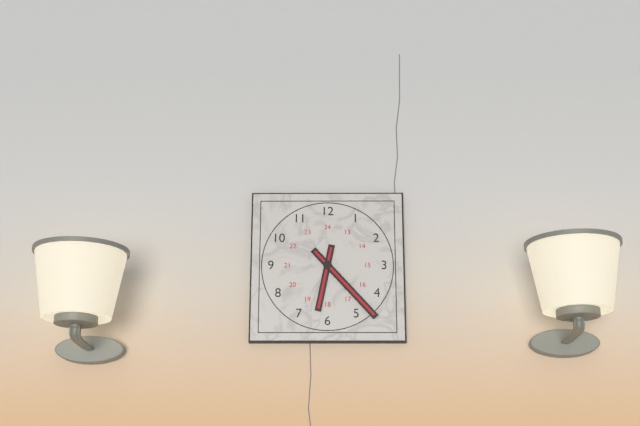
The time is **6:23**
